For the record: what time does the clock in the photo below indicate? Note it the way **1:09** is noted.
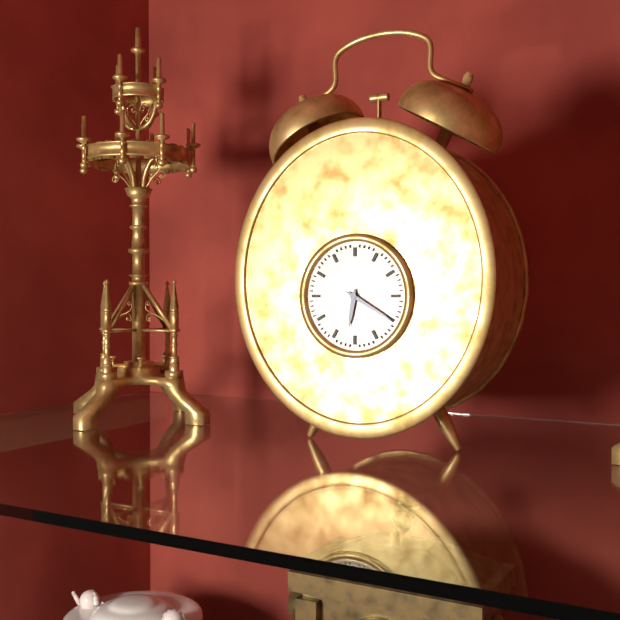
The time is **6:20**
